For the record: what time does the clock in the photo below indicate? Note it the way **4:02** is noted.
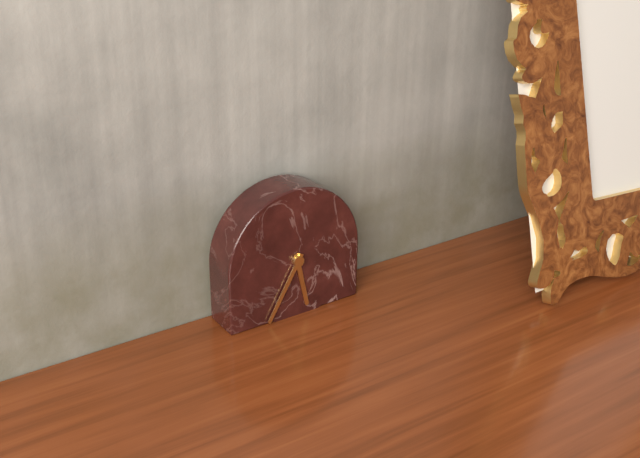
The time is **5:35**
